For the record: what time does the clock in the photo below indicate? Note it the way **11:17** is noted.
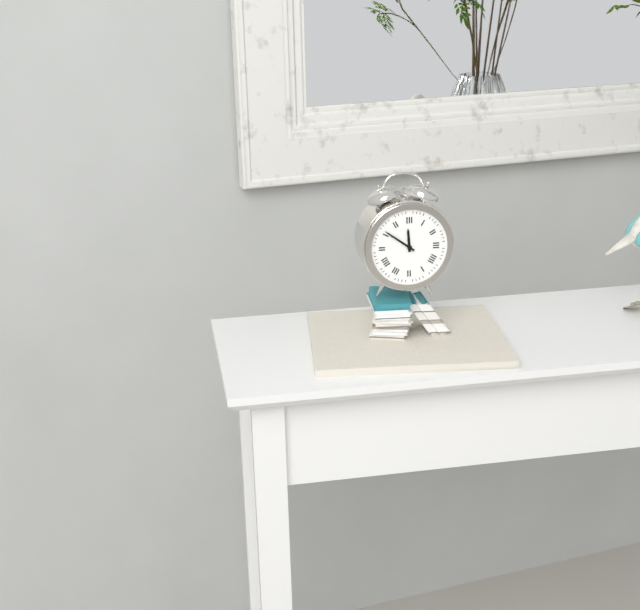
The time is **11:51**
